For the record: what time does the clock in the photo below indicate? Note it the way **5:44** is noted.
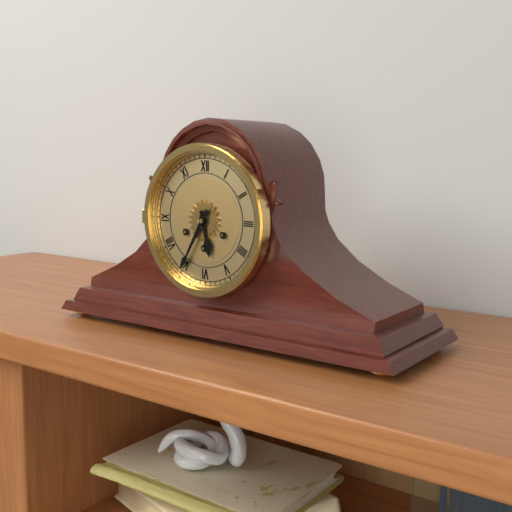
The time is **5:35**
